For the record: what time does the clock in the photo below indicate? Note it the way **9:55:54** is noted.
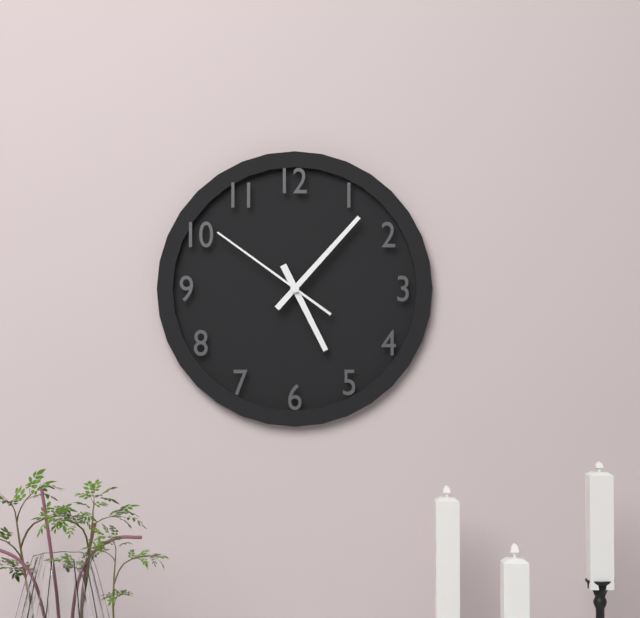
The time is **5:07:51**
